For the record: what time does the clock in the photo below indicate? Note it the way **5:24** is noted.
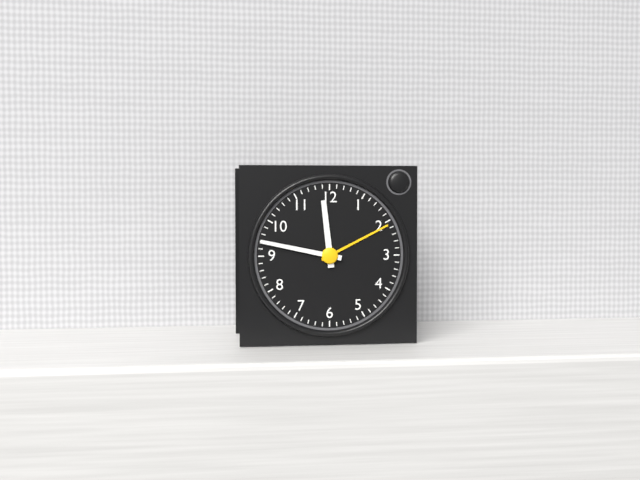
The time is **11:47**
